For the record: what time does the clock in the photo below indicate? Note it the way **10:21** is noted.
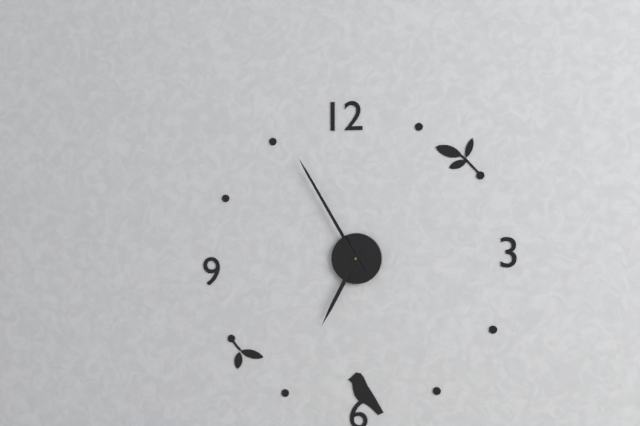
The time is **6:55**
